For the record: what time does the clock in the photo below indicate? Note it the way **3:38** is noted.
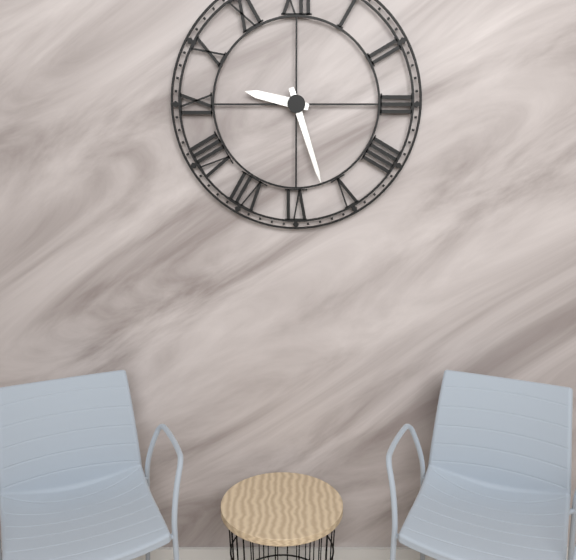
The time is **9:27**
